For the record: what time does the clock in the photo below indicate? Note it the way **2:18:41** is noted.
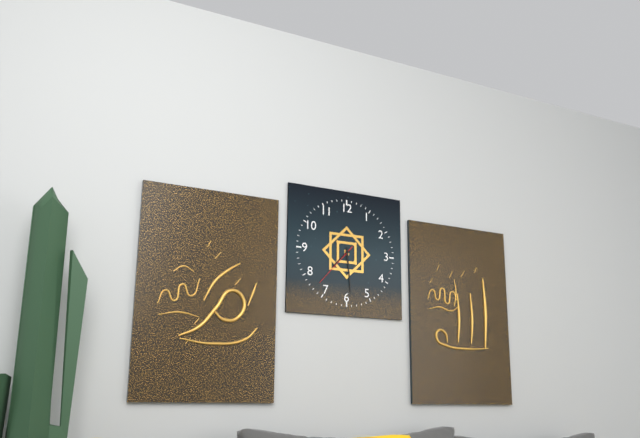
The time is **7:29:37**
